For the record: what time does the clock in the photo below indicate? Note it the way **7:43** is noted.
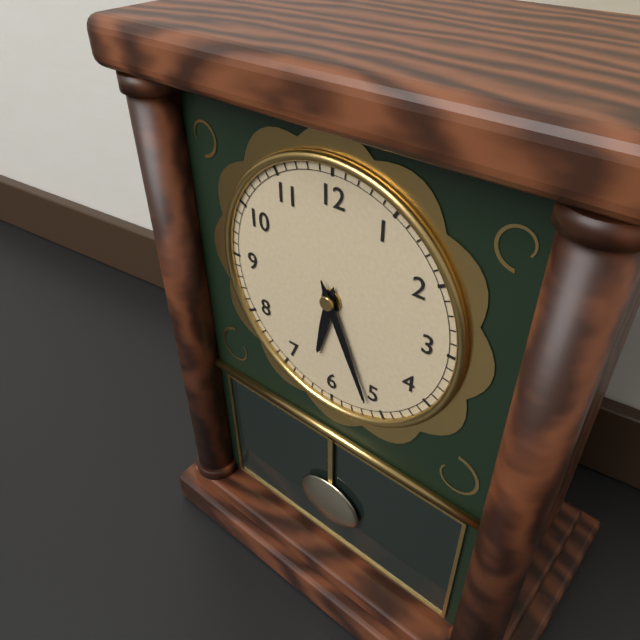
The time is **6:26**
